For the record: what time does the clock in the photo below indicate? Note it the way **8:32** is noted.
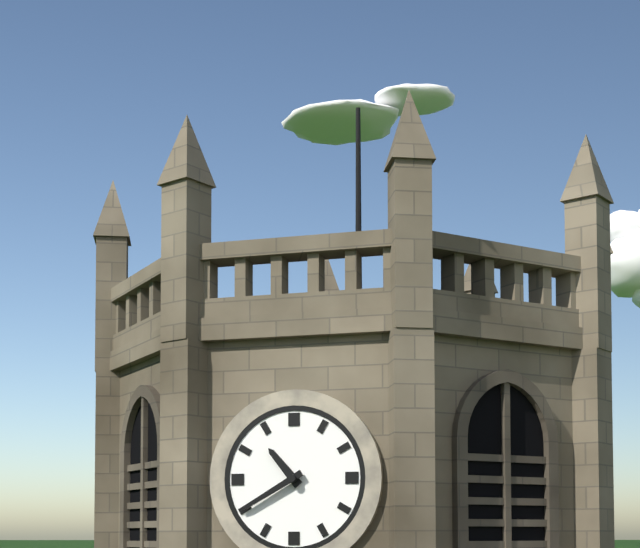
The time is **10:40**
